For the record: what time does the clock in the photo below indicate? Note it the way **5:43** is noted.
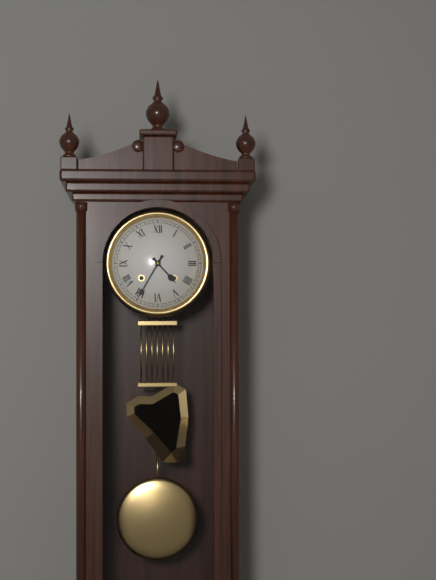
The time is **4:35**
